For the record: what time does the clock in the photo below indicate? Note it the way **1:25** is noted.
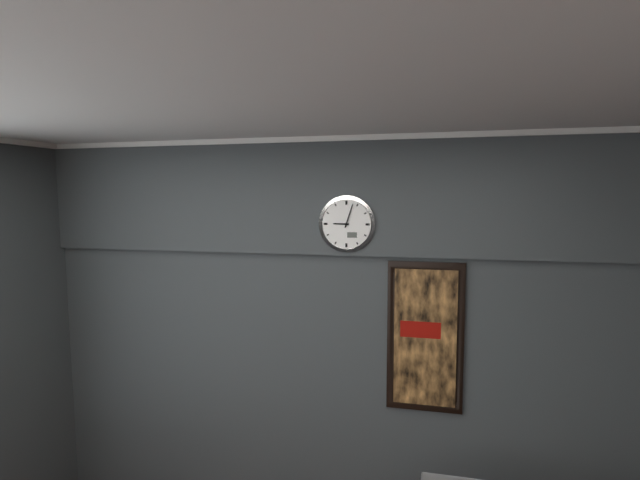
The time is **9:03**
